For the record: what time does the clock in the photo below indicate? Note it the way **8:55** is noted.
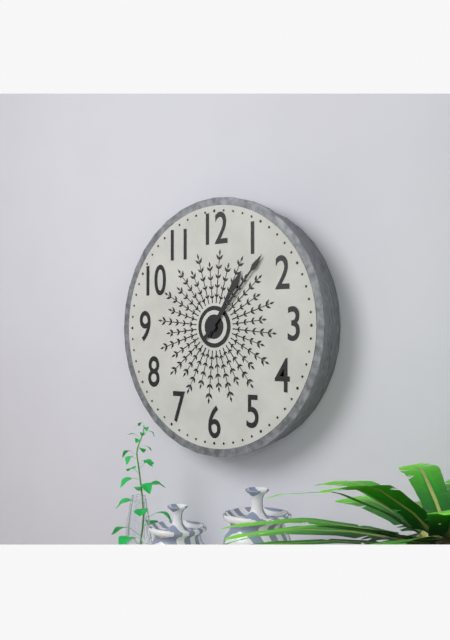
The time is **1:07**
